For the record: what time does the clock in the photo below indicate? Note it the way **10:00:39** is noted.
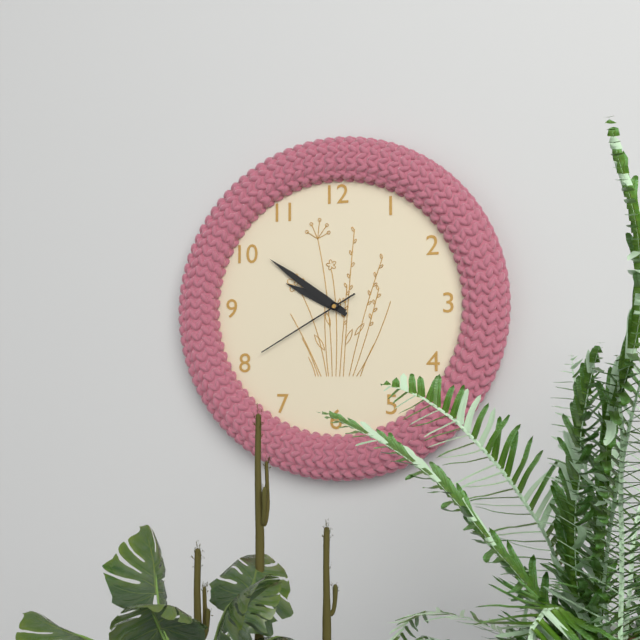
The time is **9:51:40**
